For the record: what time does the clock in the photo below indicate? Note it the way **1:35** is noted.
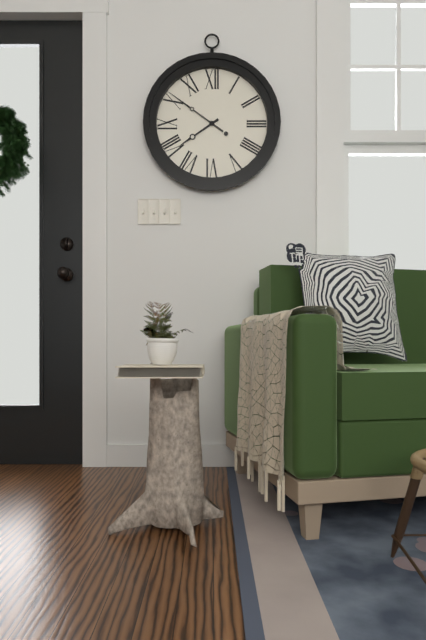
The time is **7:51**
